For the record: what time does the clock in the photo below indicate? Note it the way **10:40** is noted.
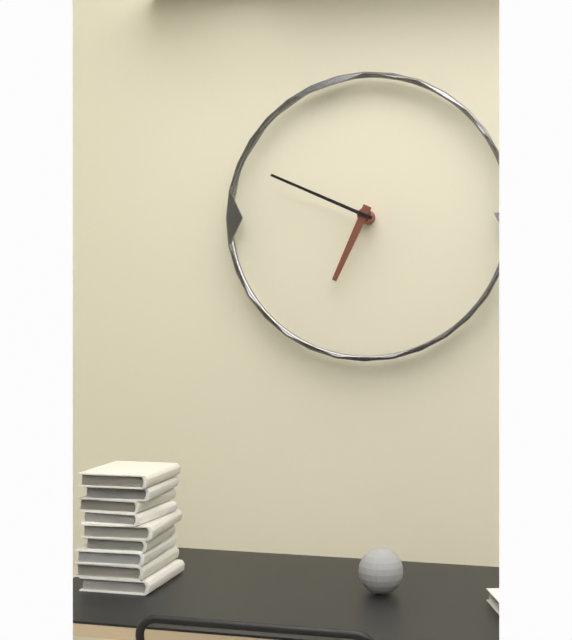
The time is **6:49**
